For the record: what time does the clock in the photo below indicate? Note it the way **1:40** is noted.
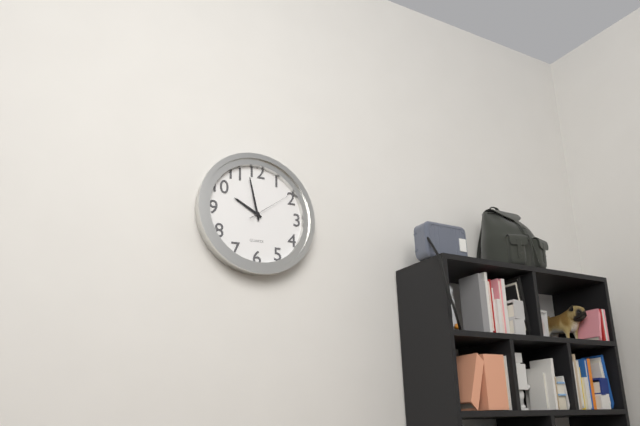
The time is **9:58**
